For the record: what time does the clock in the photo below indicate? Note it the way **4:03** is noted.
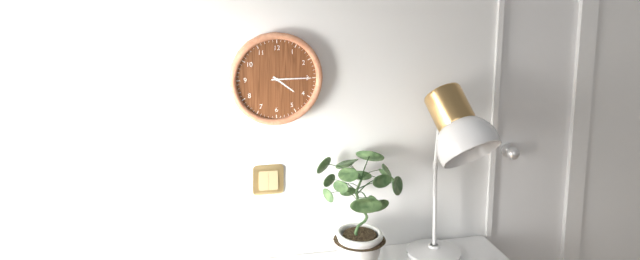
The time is **4:15**
